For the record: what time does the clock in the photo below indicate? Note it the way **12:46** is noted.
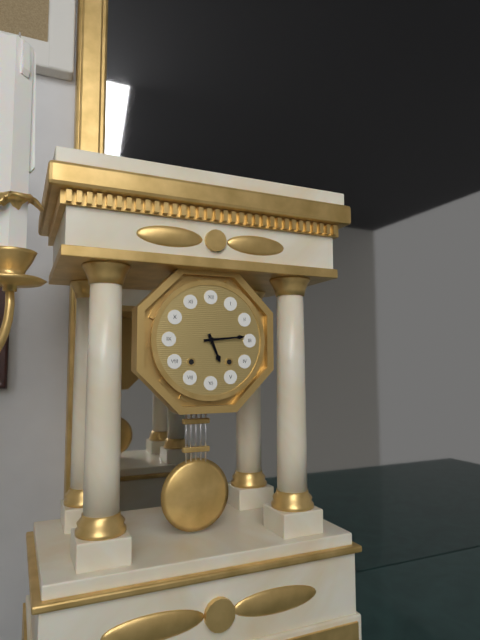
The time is **5:14**
